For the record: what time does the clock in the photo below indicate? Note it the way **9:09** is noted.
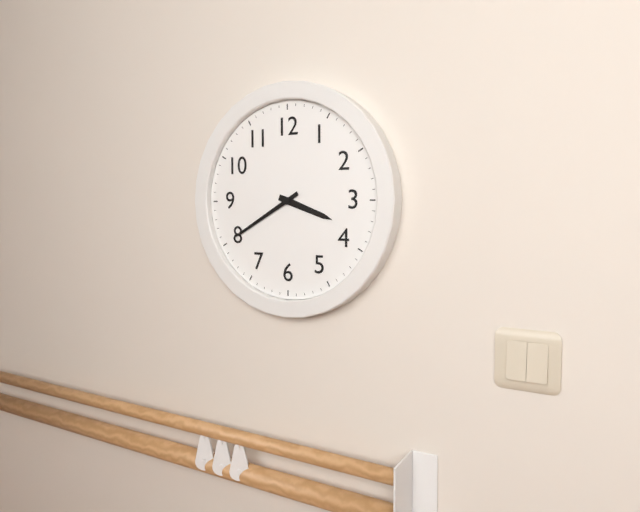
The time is **3:40**
